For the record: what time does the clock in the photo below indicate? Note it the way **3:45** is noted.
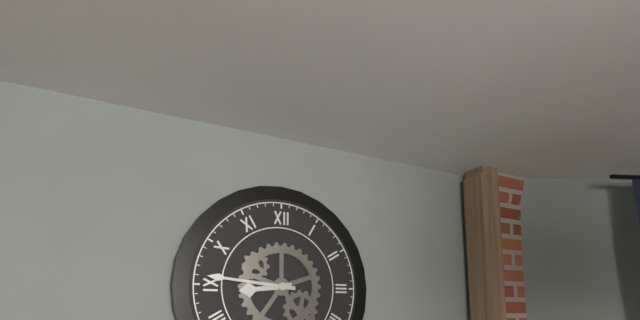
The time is **8:46**
